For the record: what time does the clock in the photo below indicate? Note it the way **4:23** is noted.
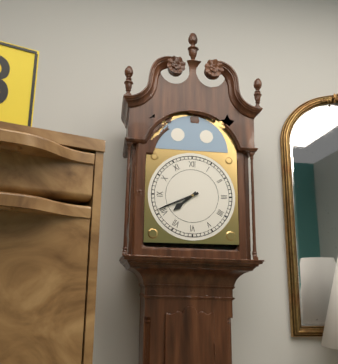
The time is **7:41**
